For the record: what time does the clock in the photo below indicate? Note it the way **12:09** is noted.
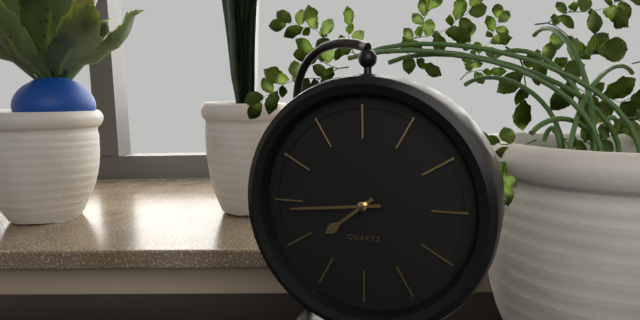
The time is **7:44**
